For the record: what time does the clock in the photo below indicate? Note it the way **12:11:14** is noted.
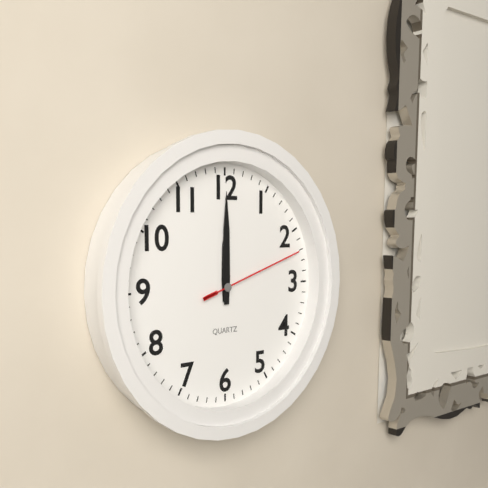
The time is **12:00:12**
